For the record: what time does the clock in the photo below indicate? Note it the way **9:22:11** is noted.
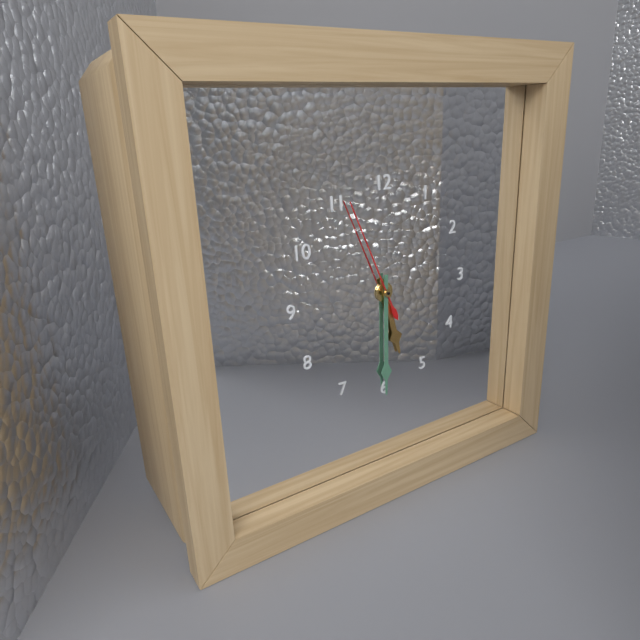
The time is **5:30:56**
